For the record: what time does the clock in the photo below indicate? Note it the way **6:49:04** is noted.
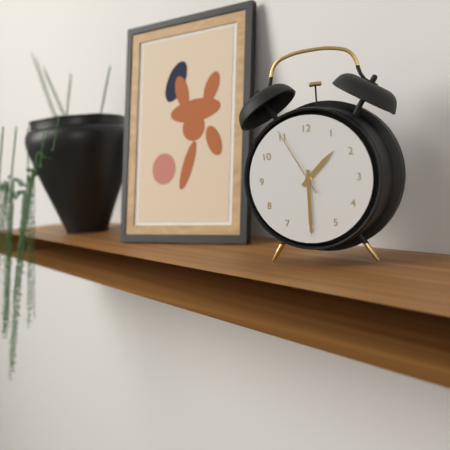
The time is **1:30:55**
